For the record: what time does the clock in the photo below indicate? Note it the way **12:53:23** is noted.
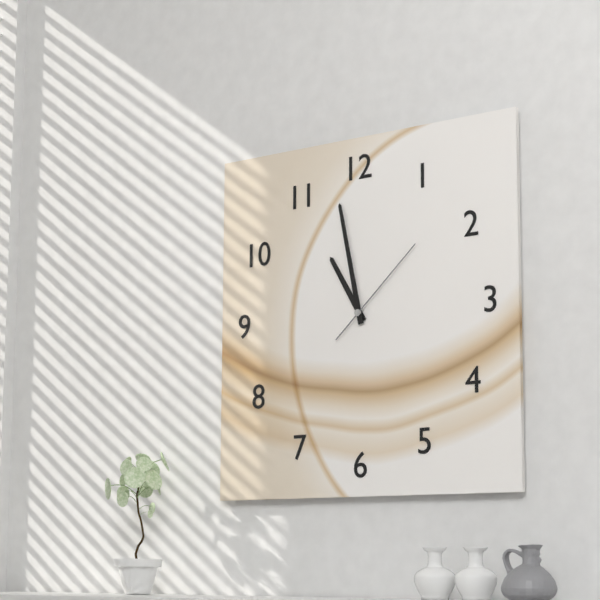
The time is **10:58:08**
